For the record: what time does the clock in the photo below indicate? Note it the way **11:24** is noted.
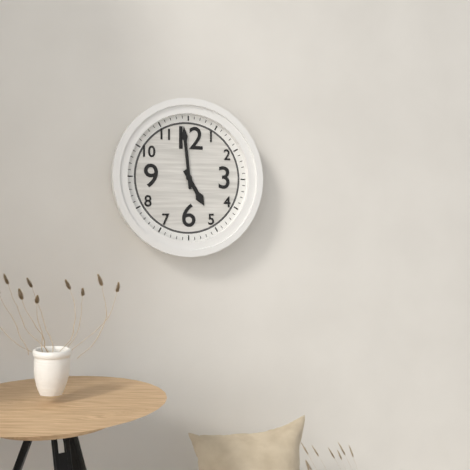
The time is **4:59**
